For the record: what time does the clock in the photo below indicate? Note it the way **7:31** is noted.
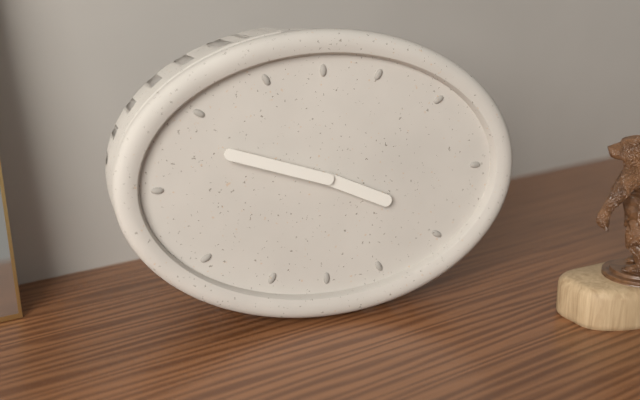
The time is **3:48**
